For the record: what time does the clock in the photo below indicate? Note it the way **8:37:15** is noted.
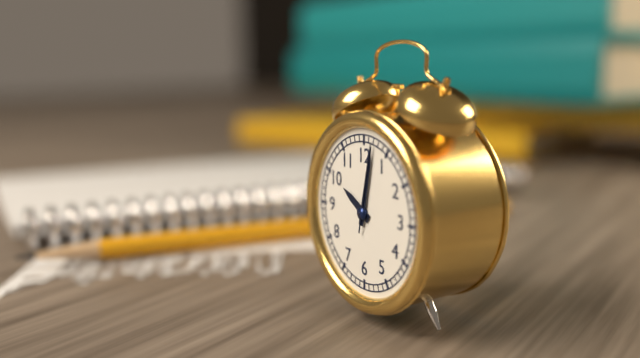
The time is **10:02:02**
